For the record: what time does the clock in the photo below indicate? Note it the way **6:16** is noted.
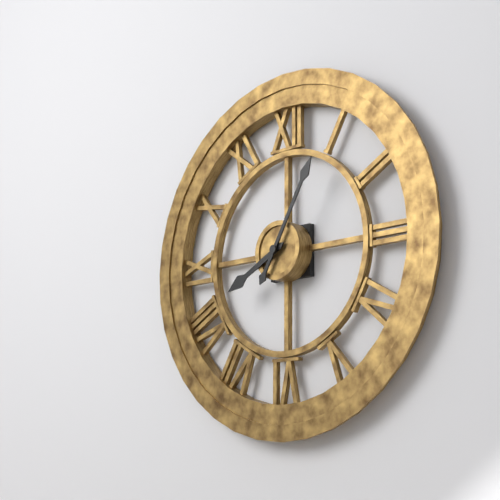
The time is **8:05**
